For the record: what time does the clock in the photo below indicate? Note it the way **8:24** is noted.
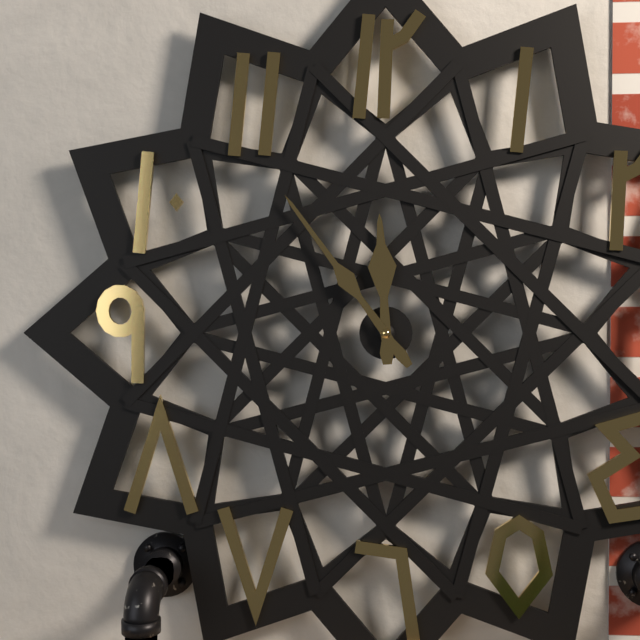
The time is **11:54**
